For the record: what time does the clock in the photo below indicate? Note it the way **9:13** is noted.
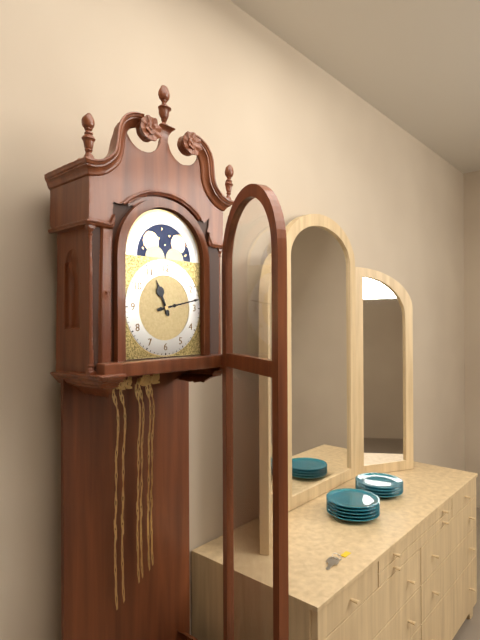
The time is **11:13**
